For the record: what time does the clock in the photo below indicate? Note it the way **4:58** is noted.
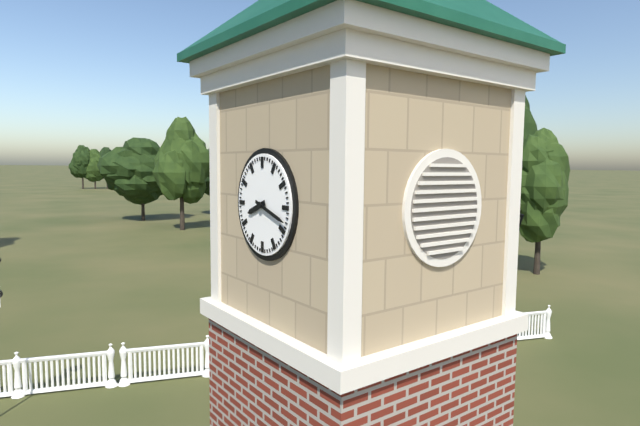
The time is **8:18**
